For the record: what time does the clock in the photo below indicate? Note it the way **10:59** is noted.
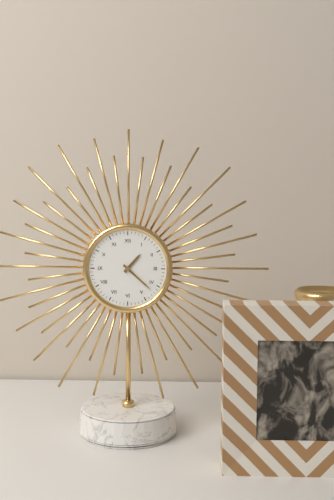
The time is **1:22**
